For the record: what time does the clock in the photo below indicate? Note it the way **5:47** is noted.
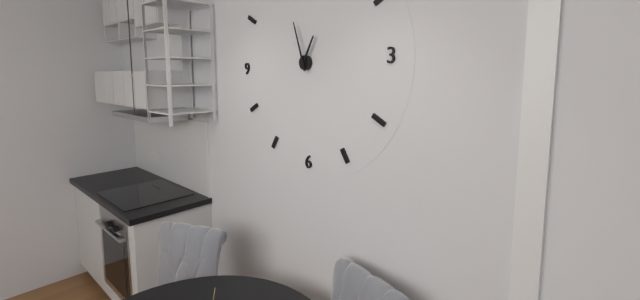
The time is **12:57**
